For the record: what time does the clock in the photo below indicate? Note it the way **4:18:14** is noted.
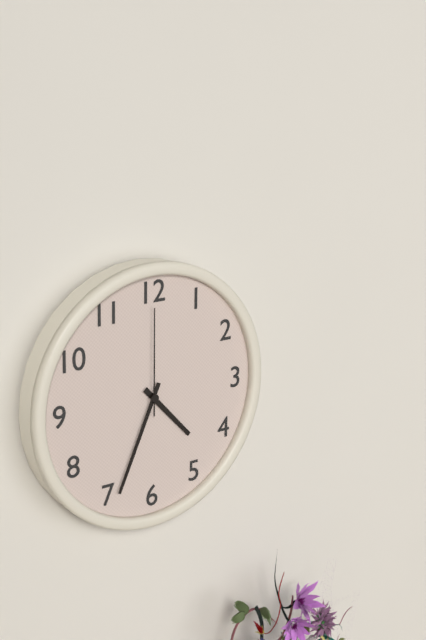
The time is **4:34:00**
